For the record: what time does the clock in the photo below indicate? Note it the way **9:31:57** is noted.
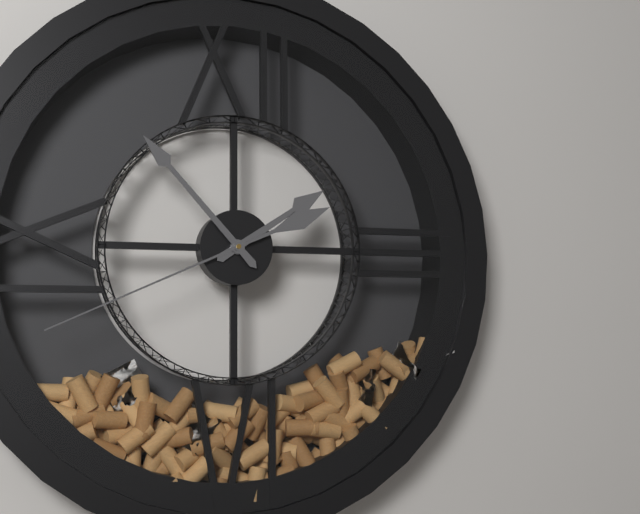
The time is **1:53:41**
